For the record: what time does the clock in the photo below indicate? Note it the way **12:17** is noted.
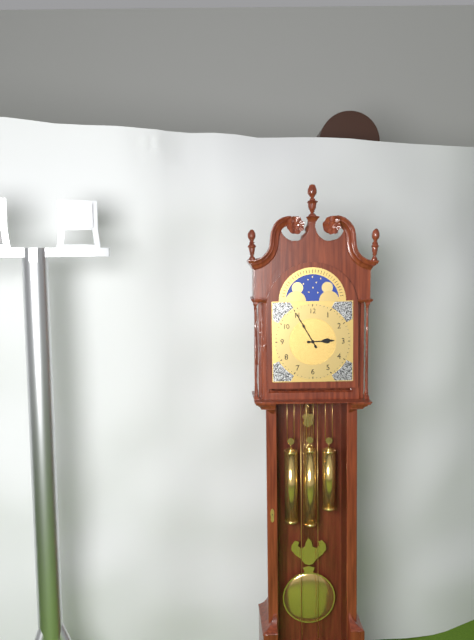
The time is **2:55**
